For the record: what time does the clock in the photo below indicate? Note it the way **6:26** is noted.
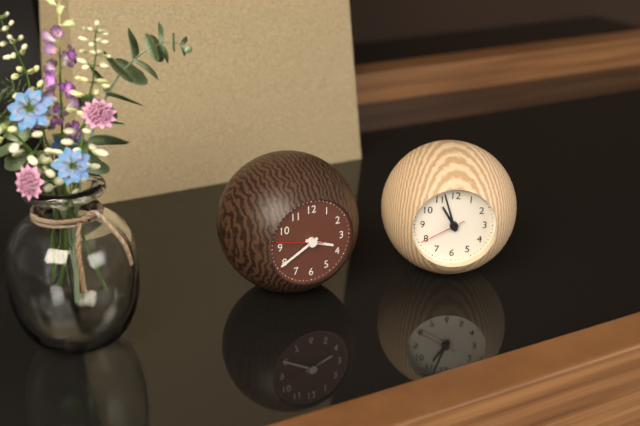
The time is **3:40**
